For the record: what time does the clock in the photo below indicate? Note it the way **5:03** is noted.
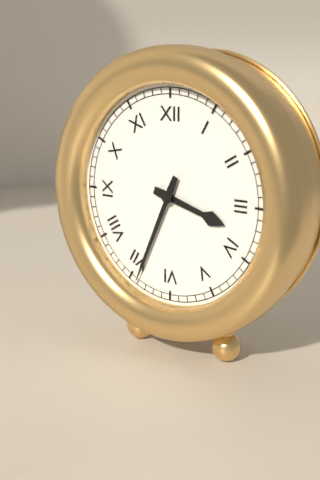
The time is **3:34**
